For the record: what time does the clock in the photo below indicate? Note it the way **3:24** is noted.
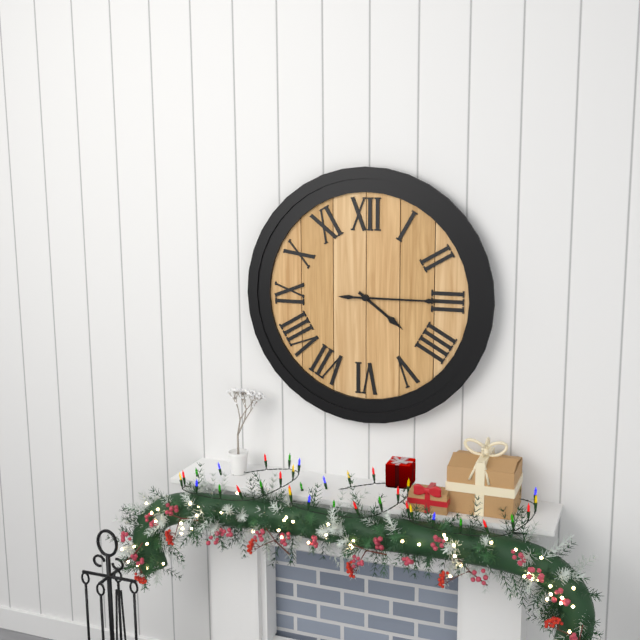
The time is **4:15**
